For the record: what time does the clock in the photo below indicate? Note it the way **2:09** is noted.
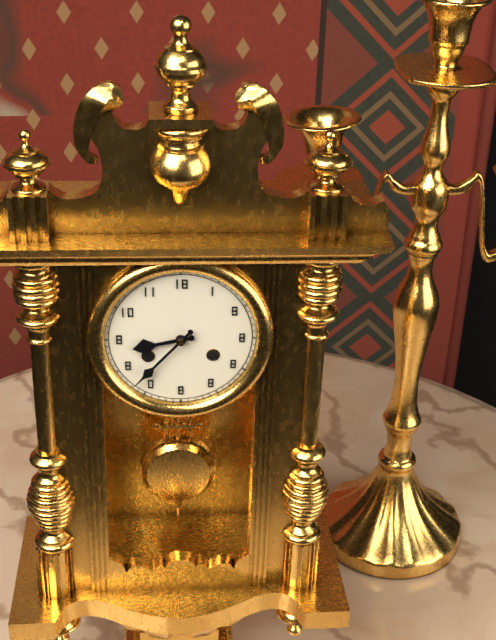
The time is **8:37**
